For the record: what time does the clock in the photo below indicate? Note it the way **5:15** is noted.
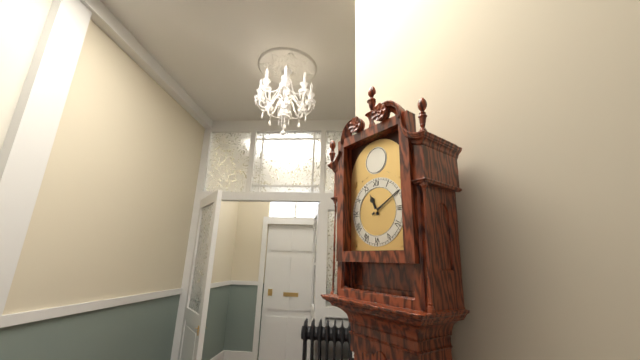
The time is **11:10**
